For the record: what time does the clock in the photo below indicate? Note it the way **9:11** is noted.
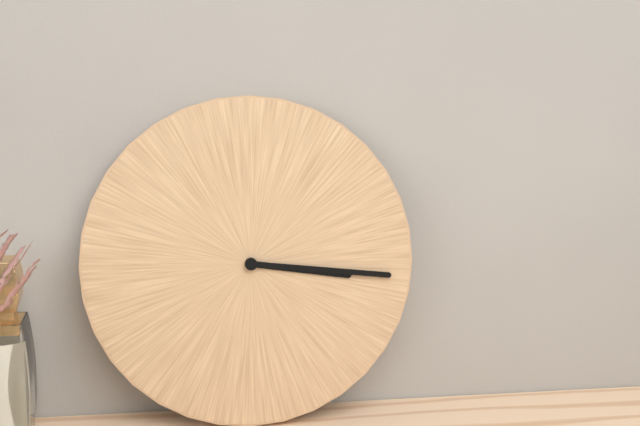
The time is **3:16**
